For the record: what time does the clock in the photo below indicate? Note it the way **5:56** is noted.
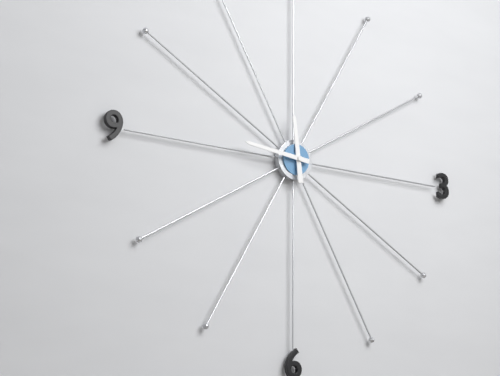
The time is **11:46**
